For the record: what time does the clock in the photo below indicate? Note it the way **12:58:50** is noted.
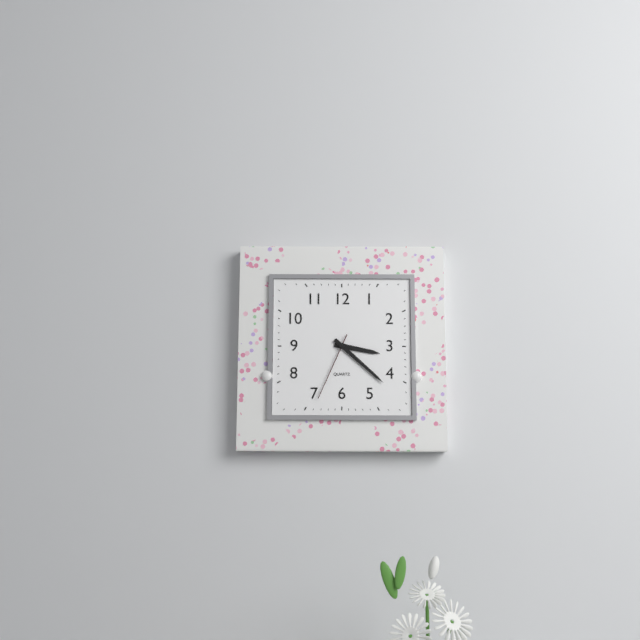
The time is **3:22:34**
